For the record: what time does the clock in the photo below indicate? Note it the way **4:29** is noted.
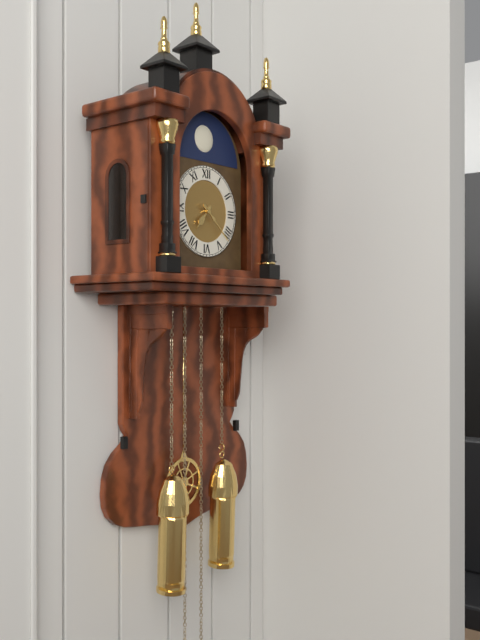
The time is **7:22**
